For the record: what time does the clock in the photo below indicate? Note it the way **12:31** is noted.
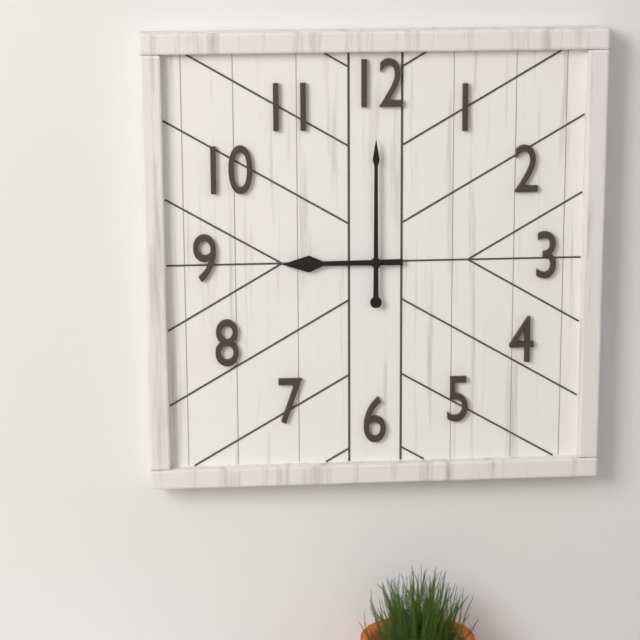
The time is **9:00**
